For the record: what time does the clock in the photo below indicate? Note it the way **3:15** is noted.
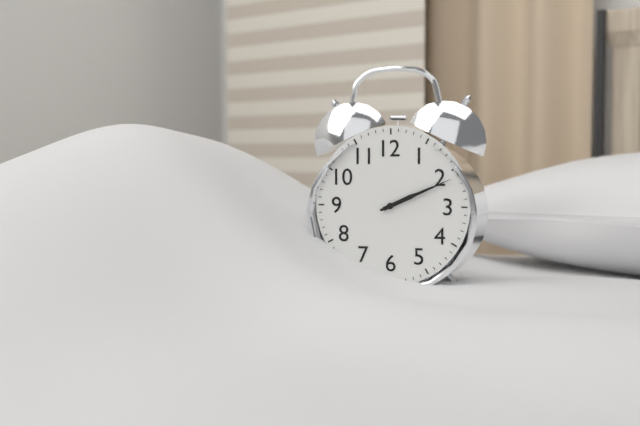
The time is **2:11**
